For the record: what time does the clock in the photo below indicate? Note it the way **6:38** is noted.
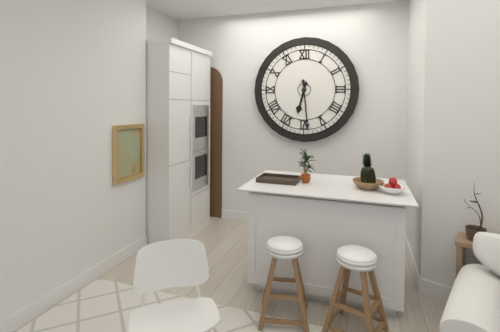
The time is **6:29**
